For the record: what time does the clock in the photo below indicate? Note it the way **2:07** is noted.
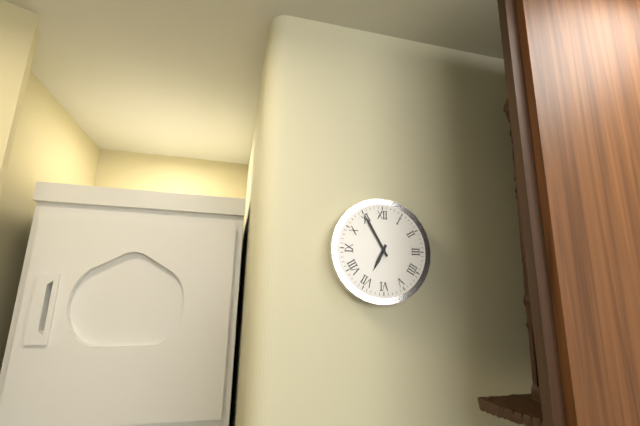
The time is **6:55**
